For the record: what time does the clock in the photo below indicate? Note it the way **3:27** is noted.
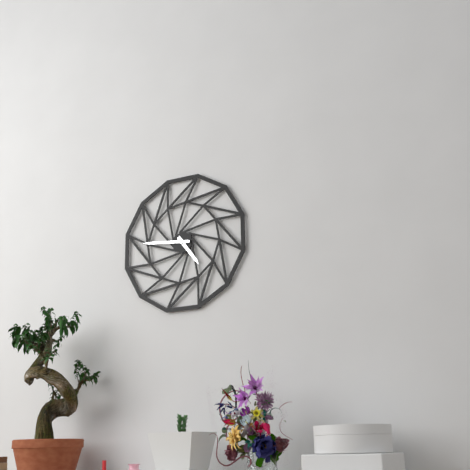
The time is **4:46**
